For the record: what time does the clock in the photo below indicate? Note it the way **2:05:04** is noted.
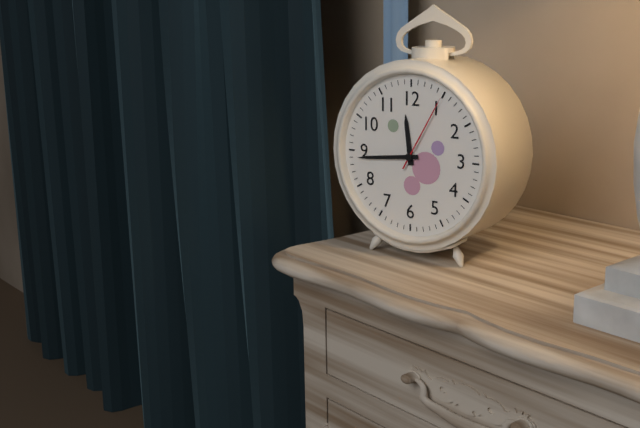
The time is **11:44:05**
